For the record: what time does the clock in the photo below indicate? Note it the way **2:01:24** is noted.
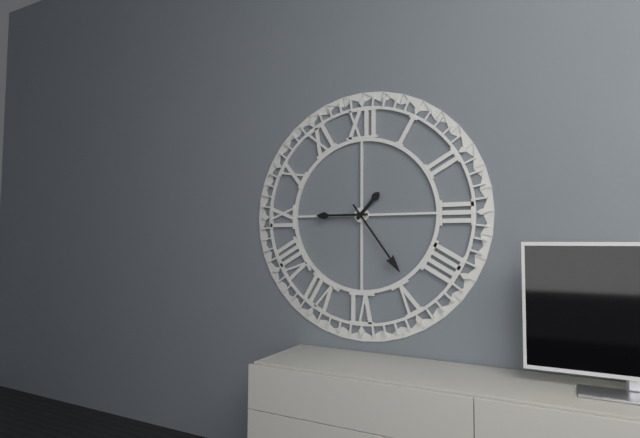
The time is **1:24:45**
